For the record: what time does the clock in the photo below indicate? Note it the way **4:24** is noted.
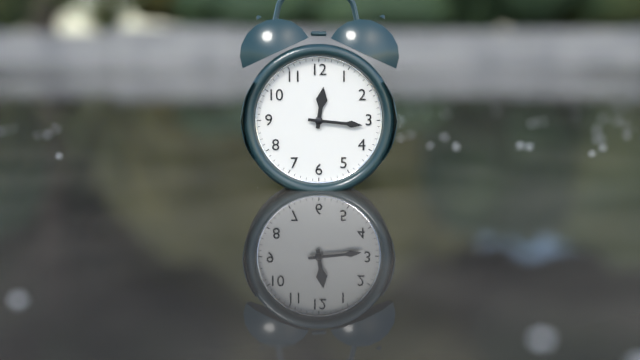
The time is **12:16**
